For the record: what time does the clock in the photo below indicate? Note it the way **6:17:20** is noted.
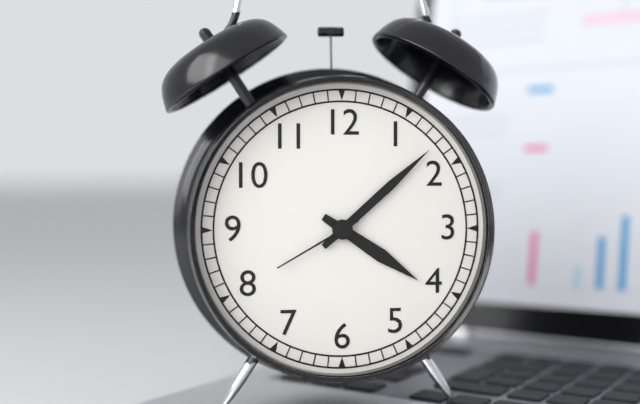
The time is **4:08:40**
